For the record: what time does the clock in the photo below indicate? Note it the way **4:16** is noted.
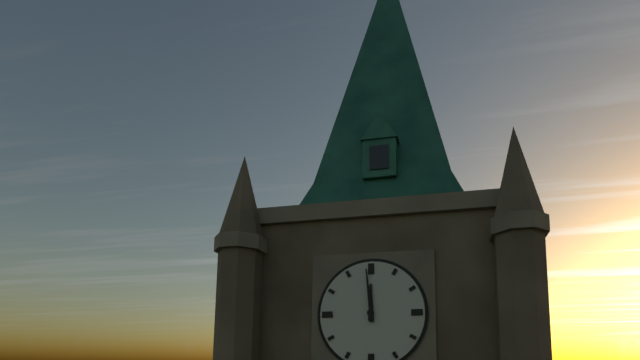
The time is **11:59**
